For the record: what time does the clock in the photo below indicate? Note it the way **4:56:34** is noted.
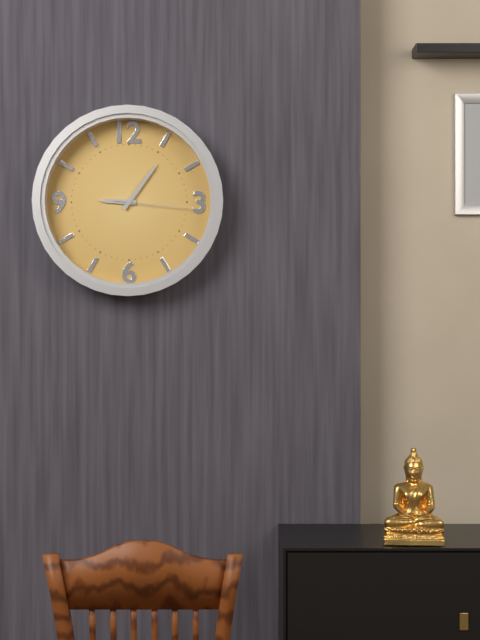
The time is **9:06:16**
